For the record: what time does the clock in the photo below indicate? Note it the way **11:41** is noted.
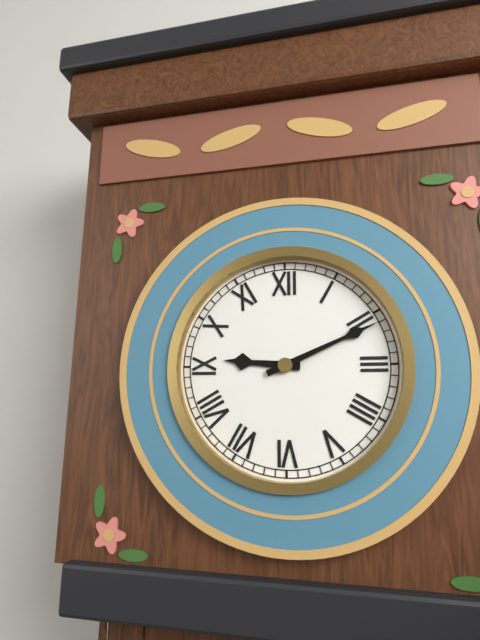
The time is **9:11**
